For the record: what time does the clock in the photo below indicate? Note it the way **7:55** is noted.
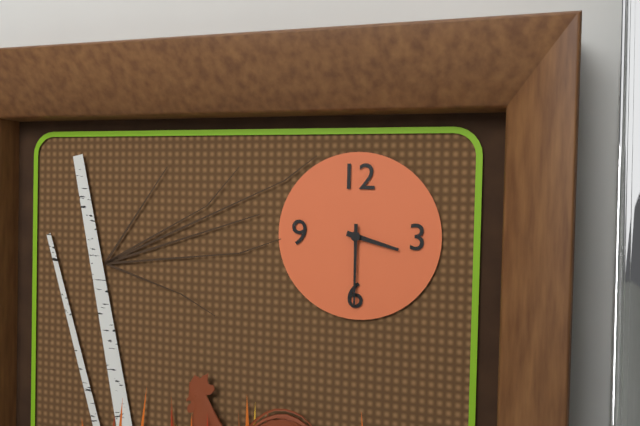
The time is **3:30**
